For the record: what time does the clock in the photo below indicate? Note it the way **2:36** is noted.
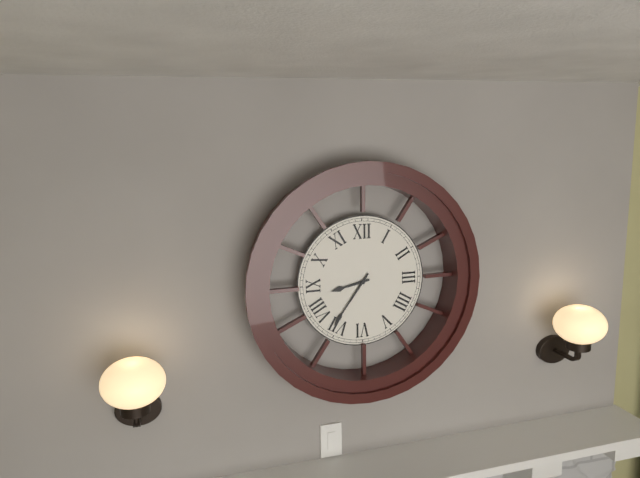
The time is **8:36**
